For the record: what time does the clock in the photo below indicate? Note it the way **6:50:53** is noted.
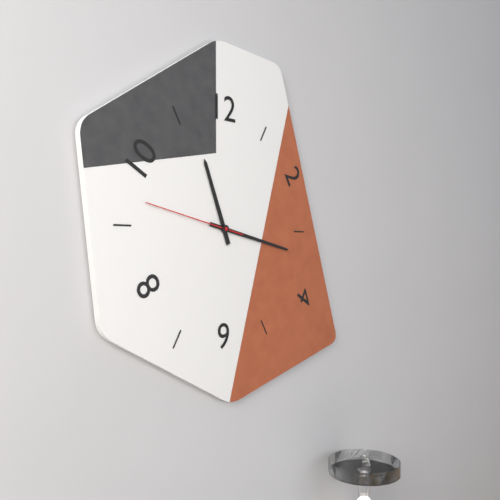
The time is **11:17:47**
